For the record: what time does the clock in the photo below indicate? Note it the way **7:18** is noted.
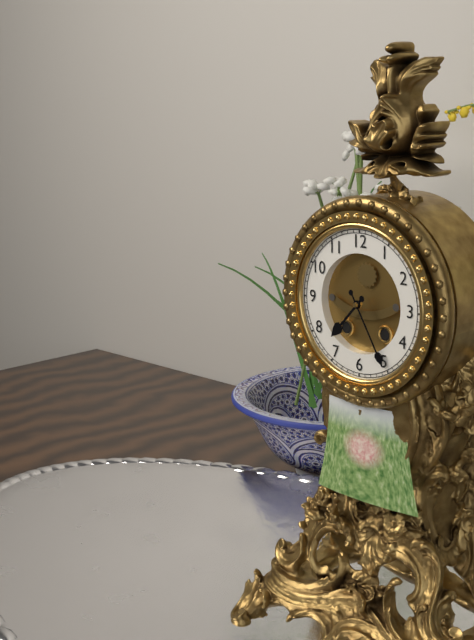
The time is **7:25**
